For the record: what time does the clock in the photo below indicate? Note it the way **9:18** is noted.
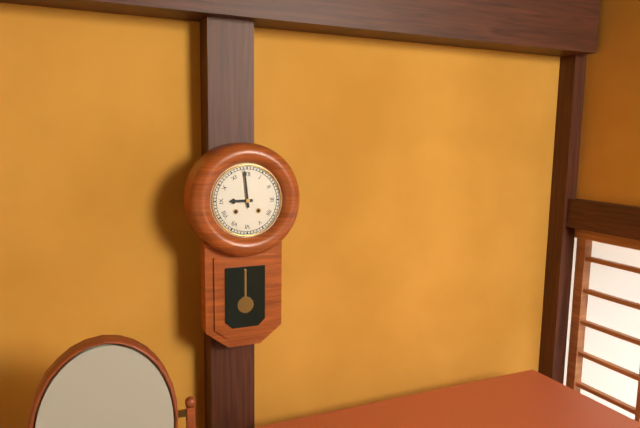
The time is **8:59**
